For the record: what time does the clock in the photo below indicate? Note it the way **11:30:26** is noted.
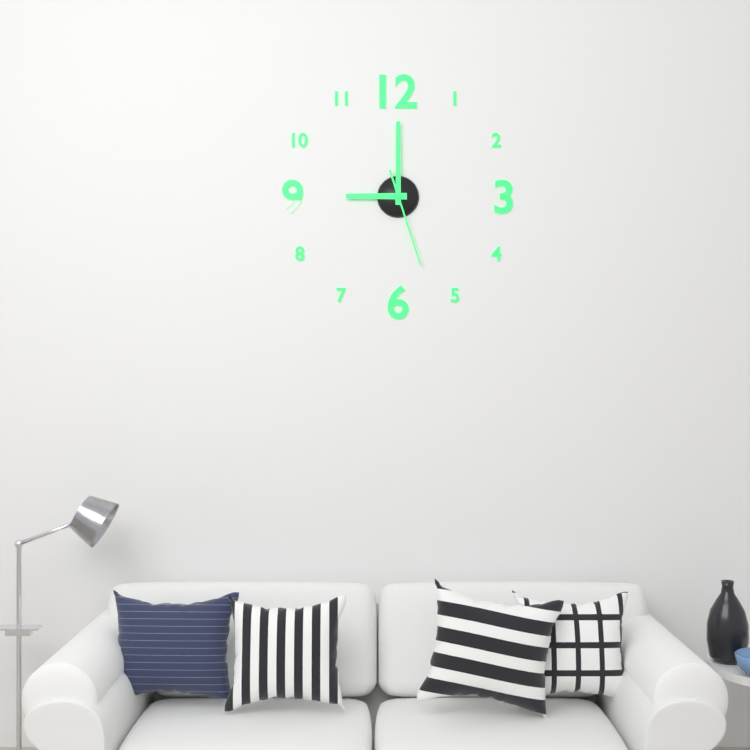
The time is **9:00:27**
